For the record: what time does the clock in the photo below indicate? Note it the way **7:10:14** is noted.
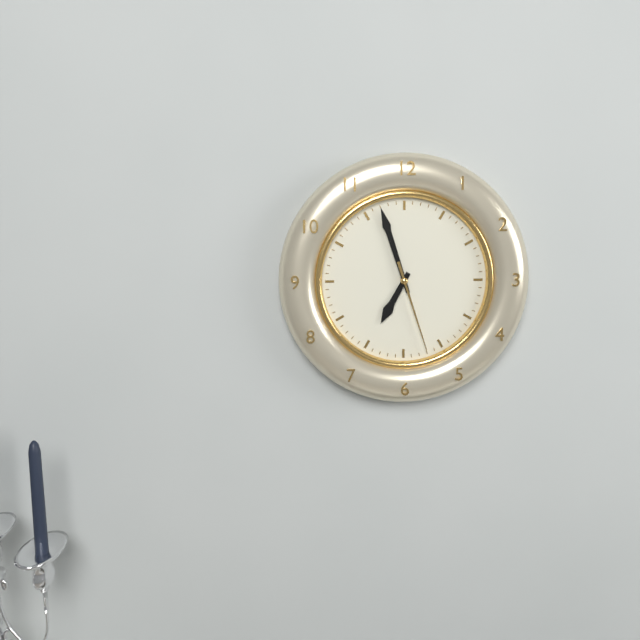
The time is **6:57:27**
